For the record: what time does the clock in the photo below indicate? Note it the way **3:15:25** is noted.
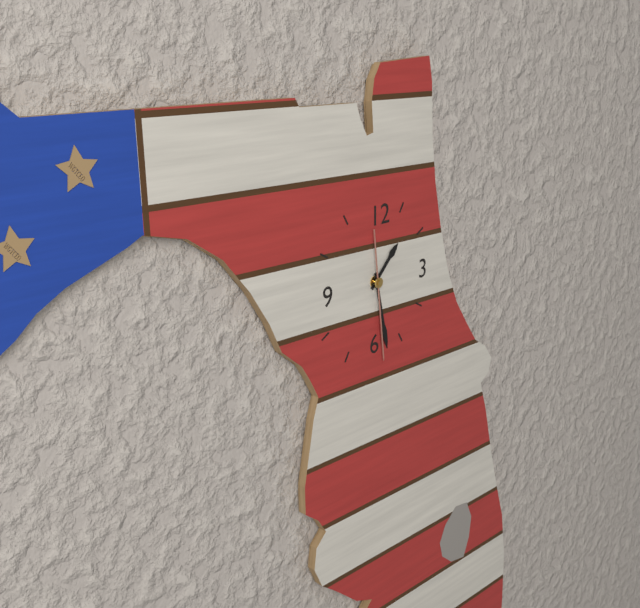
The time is **1:28:29**
